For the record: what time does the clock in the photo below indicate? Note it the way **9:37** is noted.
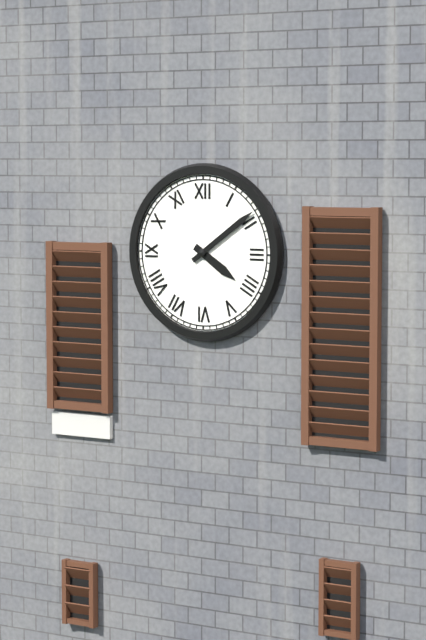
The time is **4:09**
